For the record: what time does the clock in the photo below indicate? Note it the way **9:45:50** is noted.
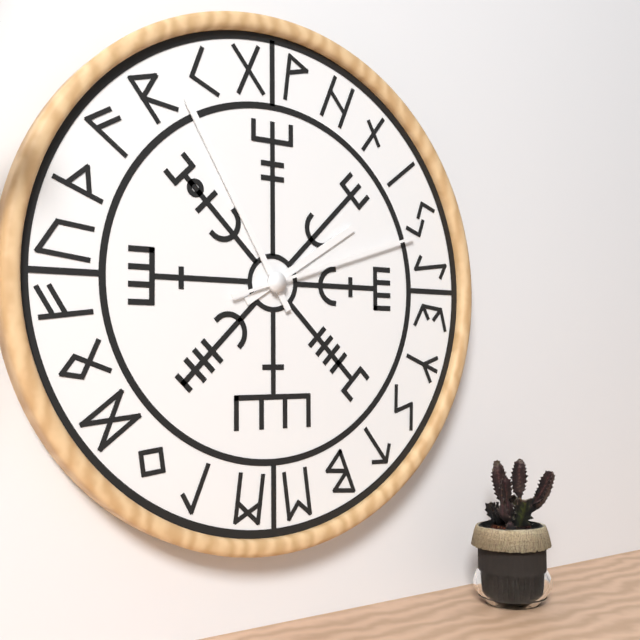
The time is **1:55:12**
